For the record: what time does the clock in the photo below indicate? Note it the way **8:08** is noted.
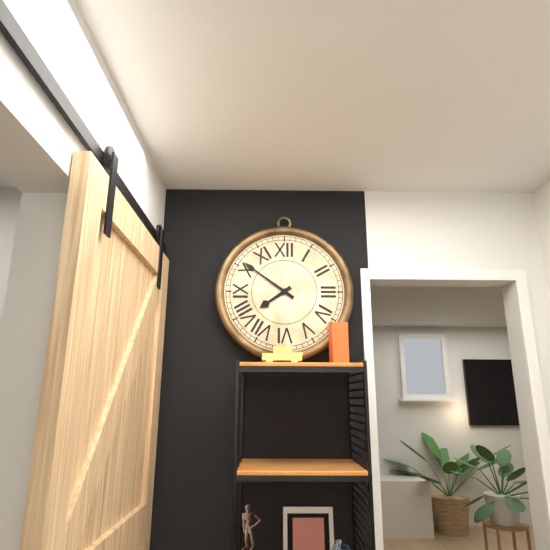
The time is **7:51**
